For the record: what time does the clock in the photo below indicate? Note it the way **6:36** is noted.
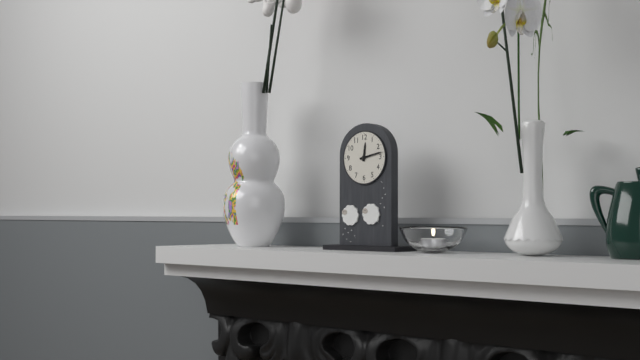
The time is **12:13**
